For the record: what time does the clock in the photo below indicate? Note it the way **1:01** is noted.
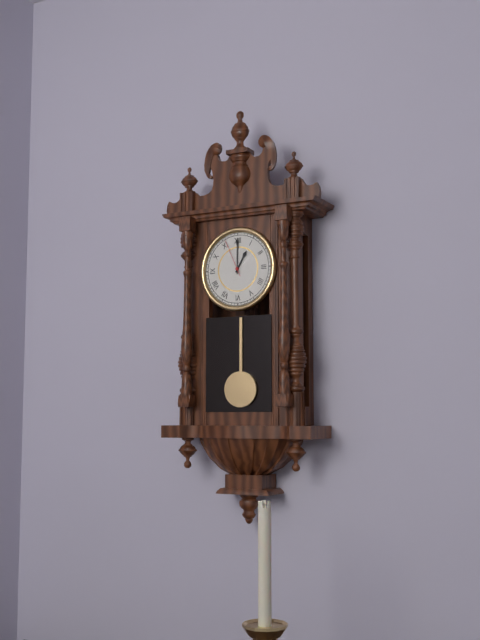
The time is **1:00**
